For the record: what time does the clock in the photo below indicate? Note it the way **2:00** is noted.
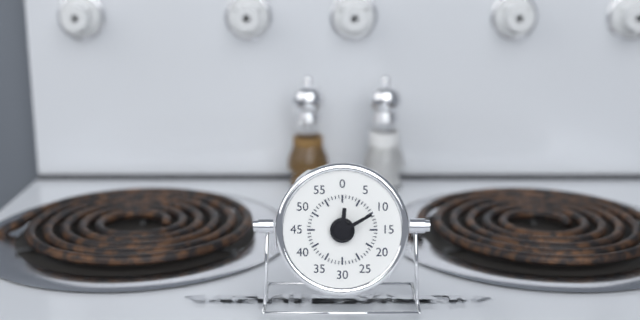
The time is **12:10**
